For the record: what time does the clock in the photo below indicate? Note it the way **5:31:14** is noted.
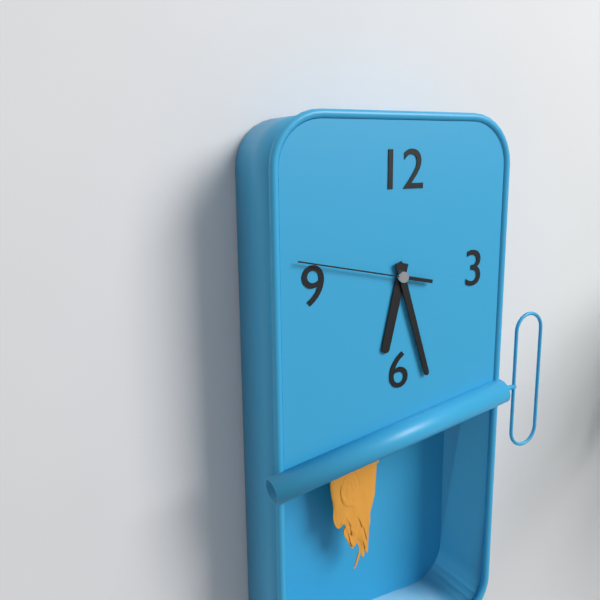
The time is **6:27:47**
